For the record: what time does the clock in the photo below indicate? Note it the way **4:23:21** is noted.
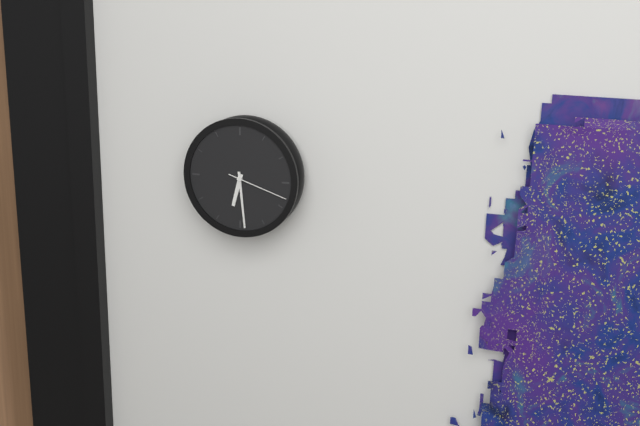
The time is **6:29:18**
